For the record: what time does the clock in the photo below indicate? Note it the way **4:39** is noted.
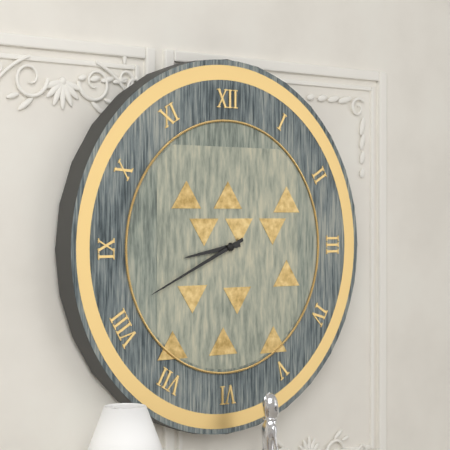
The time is **8:41**
